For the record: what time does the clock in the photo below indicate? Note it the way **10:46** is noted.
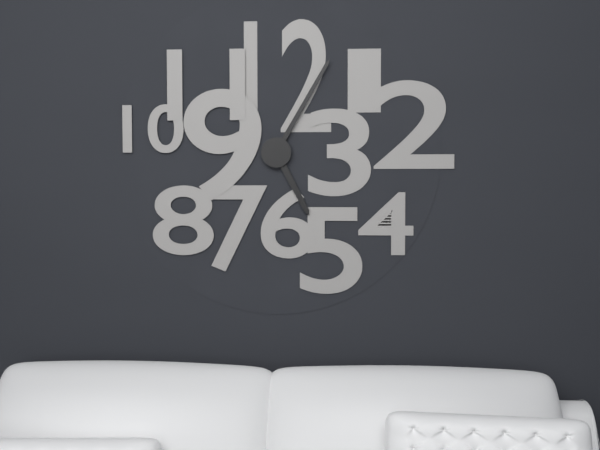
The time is **5:05**
